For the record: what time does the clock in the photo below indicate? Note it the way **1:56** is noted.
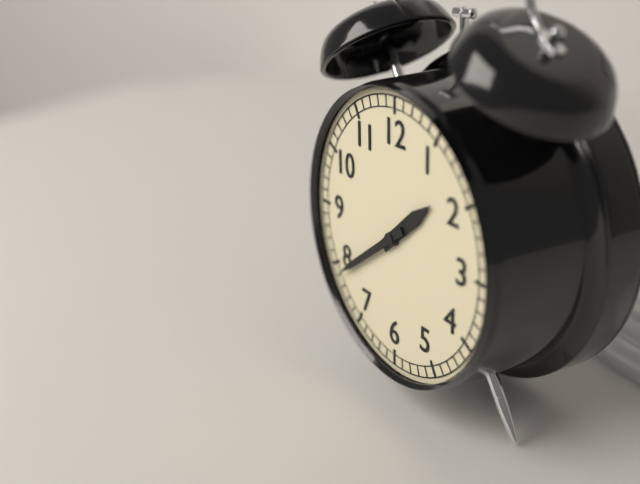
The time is **1:39**
